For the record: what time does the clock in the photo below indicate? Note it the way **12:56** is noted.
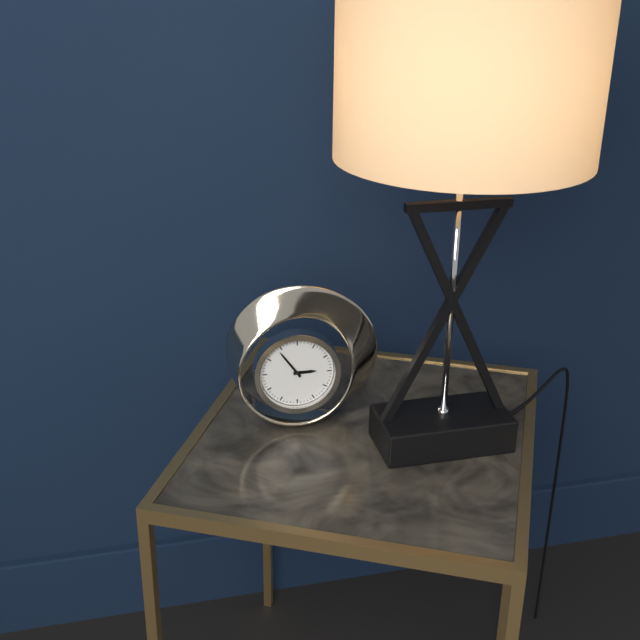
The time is **2:54**
